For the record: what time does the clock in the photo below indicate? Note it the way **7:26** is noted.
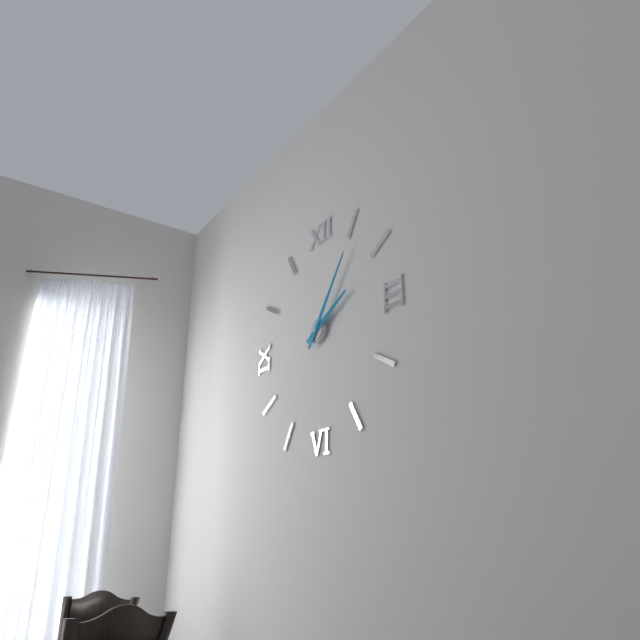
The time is **2:06**
